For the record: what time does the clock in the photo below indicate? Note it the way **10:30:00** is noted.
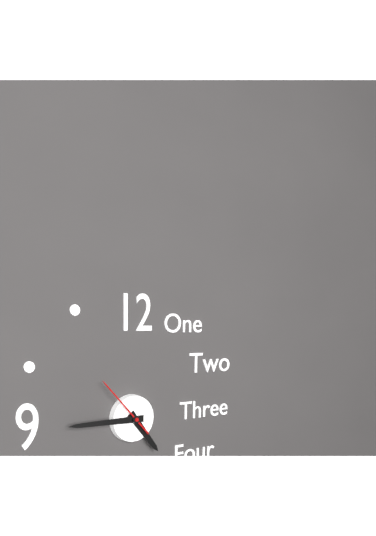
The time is **4:45:53**
